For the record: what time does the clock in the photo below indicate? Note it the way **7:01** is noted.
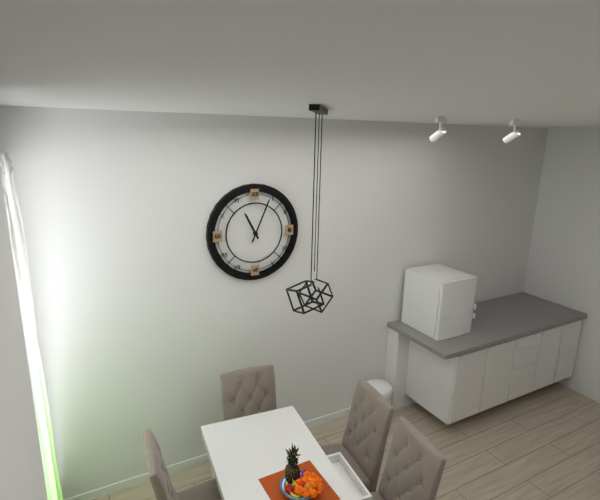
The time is **11:04**
